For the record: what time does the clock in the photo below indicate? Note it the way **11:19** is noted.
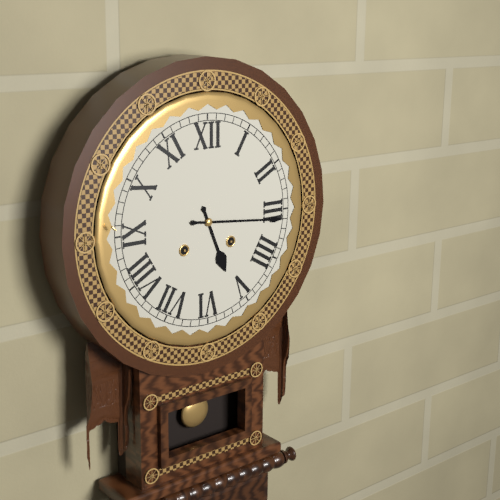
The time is **5:16**
